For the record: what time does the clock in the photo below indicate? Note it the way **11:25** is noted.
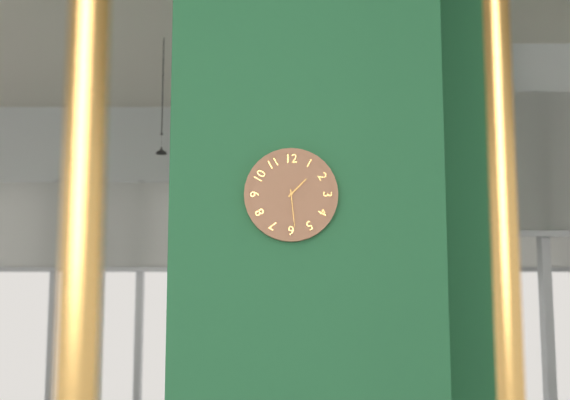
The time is **1:29**
